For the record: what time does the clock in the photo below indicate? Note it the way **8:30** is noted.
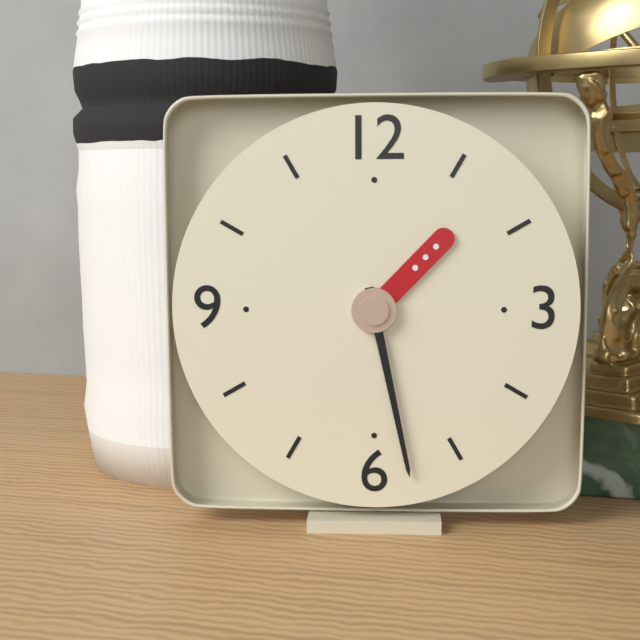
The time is **1:28**
